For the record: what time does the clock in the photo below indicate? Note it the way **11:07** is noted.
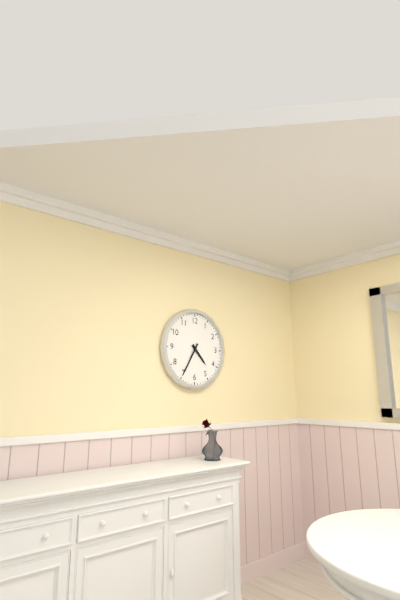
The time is **4:35**
